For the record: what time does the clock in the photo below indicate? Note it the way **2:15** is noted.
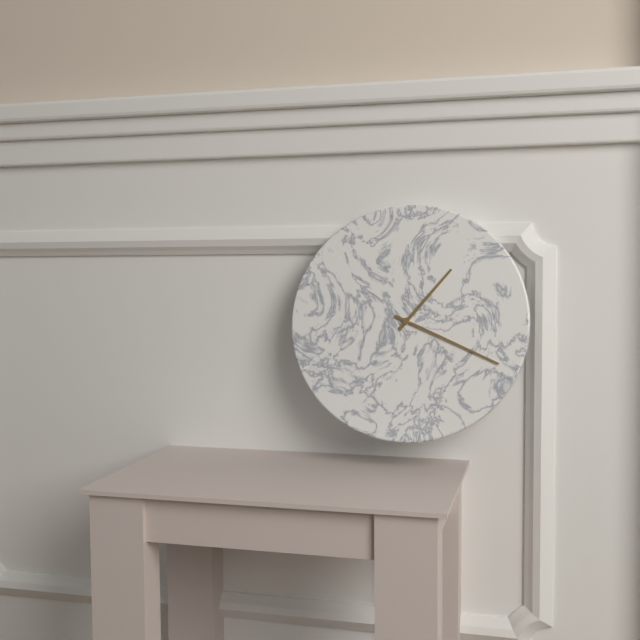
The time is **1:19**
